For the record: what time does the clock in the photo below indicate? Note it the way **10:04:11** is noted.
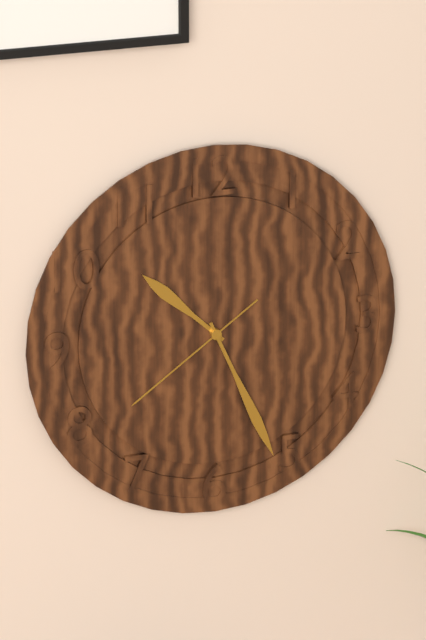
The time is **10:26:39**
